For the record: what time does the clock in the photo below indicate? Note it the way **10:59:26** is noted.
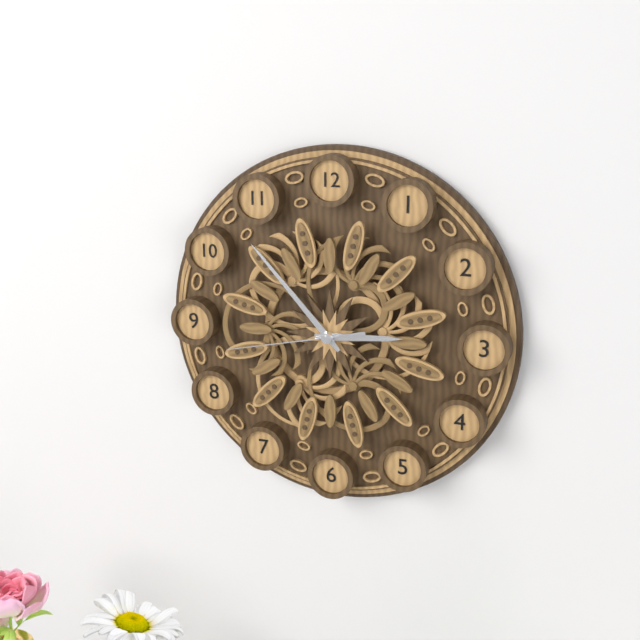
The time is **2:53:43**
